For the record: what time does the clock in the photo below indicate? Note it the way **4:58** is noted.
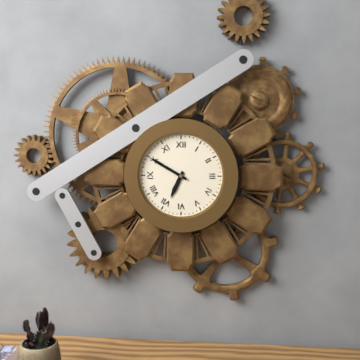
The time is **6:50**
